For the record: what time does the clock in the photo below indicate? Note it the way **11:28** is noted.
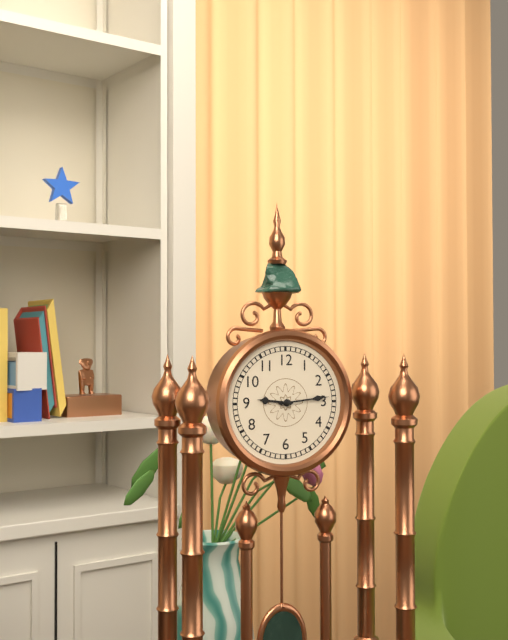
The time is **9:14**
